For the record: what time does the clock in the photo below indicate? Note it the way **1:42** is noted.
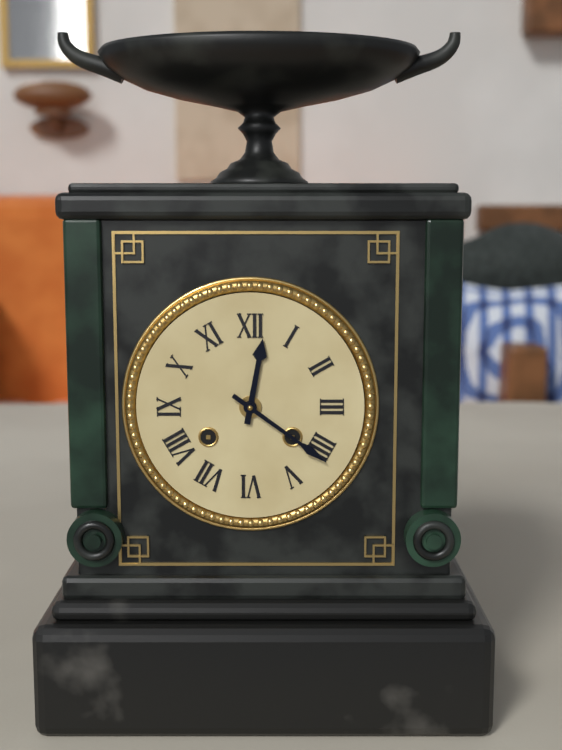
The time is **12:21**
